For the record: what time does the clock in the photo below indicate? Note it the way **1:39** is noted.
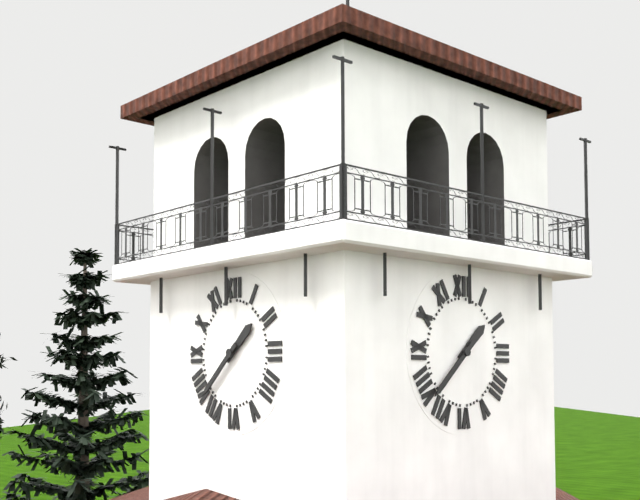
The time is **1:38**
